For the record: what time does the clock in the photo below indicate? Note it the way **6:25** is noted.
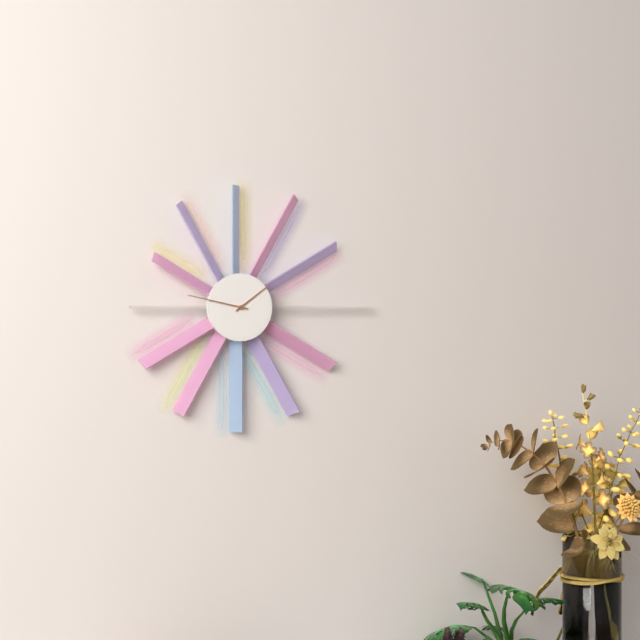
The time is **1:47**
